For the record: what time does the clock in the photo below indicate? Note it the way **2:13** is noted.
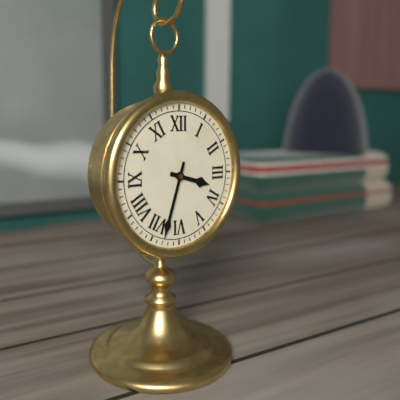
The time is **3:33**
